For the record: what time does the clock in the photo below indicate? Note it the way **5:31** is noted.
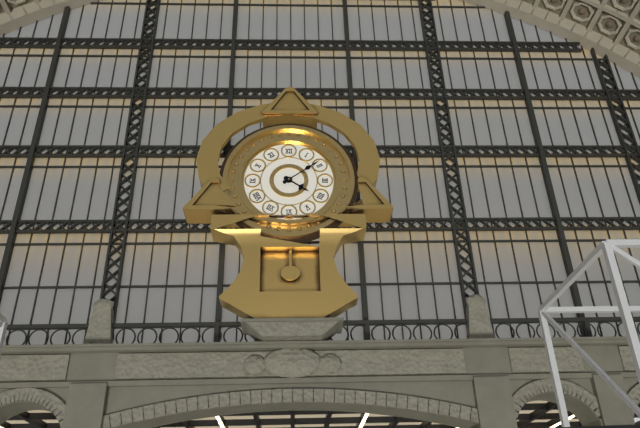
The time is **4:09**
